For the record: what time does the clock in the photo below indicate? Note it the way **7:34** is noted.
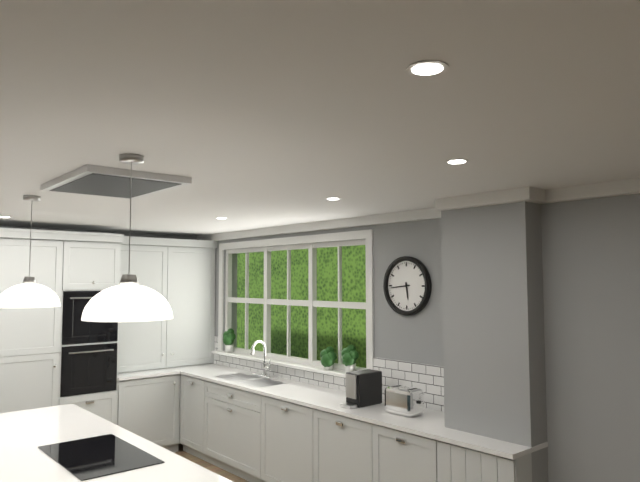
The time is **5:44**
